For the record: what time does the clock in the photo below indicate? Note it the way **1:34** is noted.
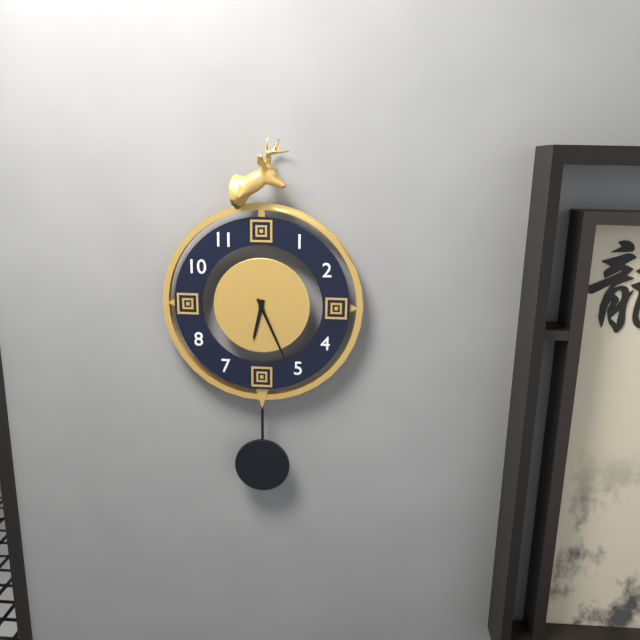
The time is **6:26**
